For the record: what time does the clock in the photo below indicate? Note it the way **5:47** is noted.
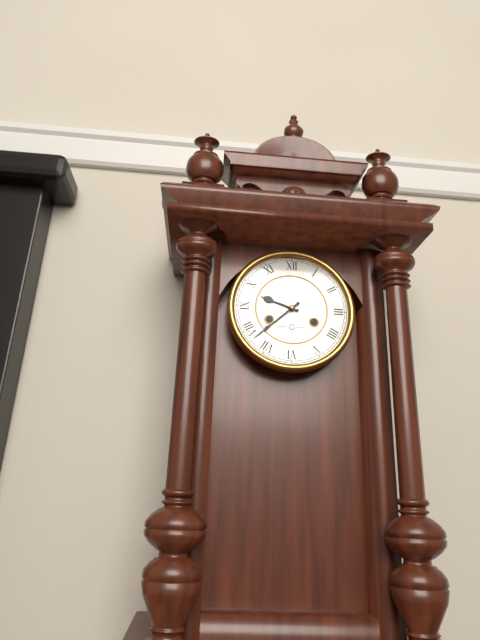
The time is **9:38**
